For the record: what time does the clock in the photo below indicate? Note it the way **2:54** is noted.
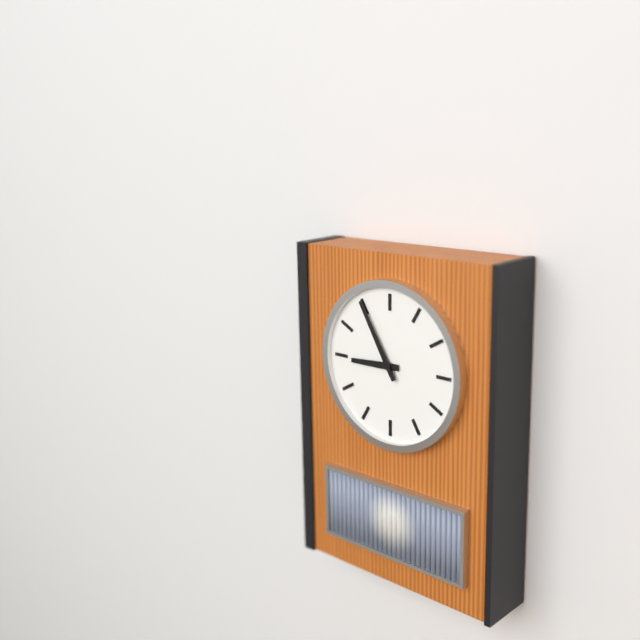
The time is **8:55**
